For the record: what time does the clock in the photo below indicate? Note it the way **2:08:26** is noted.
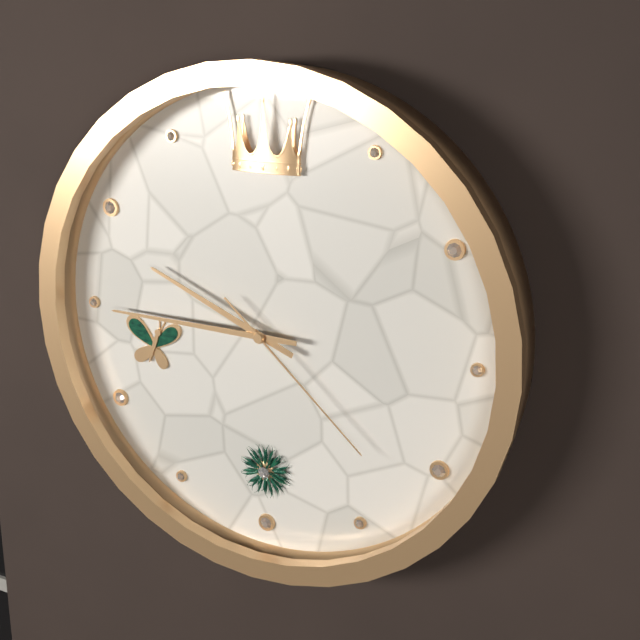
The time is **9:45:22**
